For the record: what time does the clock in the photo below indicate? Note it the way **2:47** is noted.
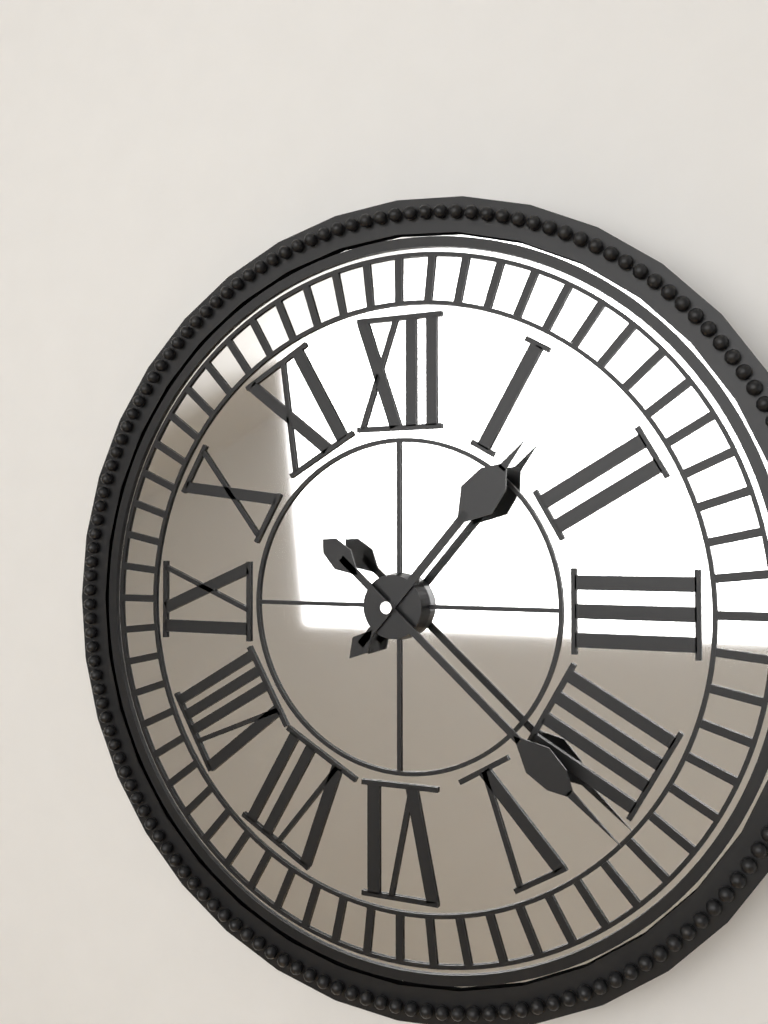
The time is **1:22**
